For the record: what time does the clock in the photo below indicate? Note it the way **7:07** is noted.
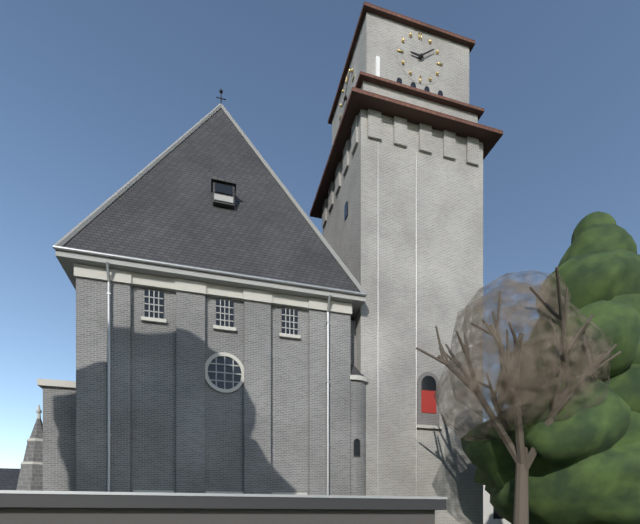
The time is **9:09**
